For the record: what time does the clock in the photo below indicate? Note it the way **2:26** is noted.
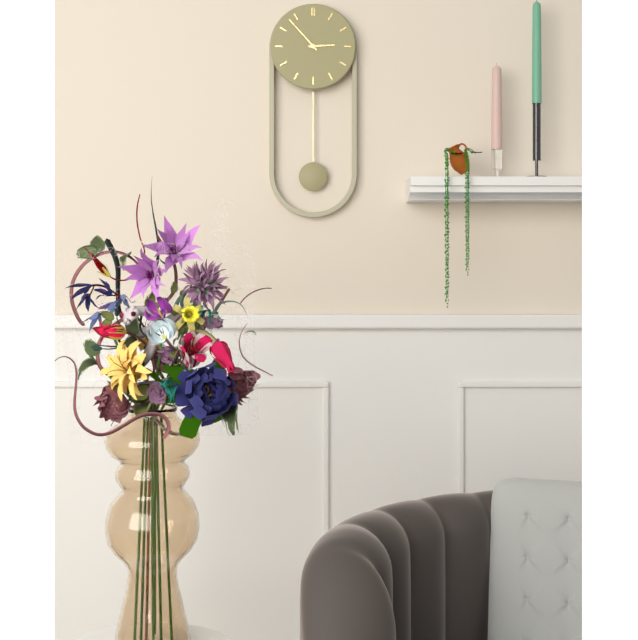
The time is **2:53**
